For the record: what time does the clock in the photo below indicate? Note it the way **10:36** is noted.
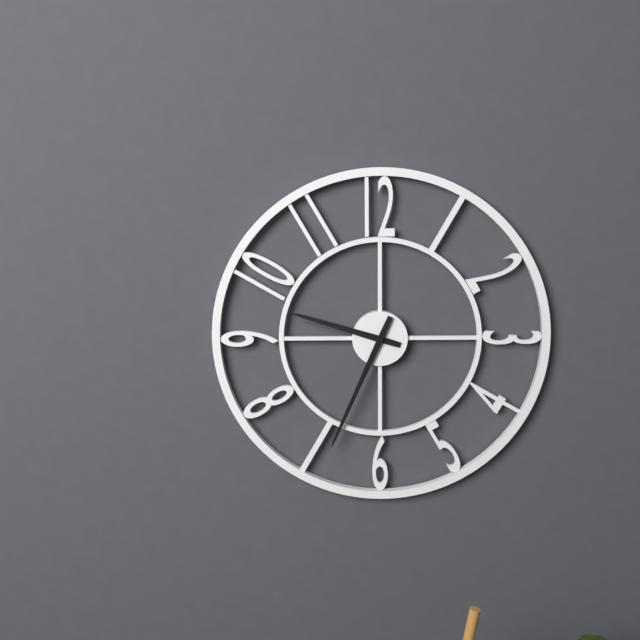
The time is **9:34**
